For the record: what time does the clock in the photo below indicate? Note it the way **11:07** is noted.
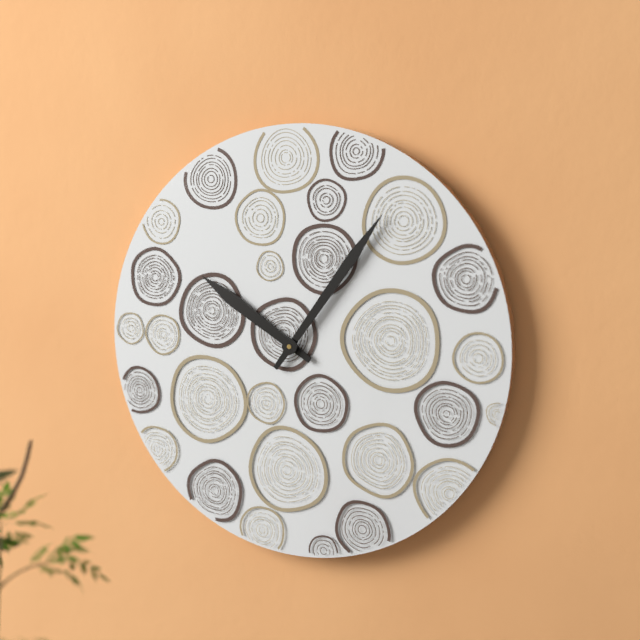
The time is **10:06**
